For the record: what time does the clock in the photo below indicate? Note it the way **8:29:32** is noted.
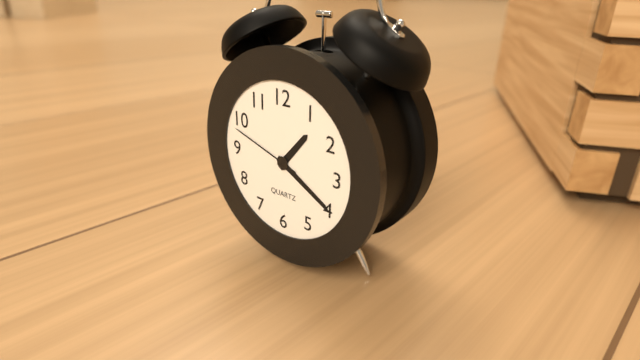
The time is **1:20:48**
